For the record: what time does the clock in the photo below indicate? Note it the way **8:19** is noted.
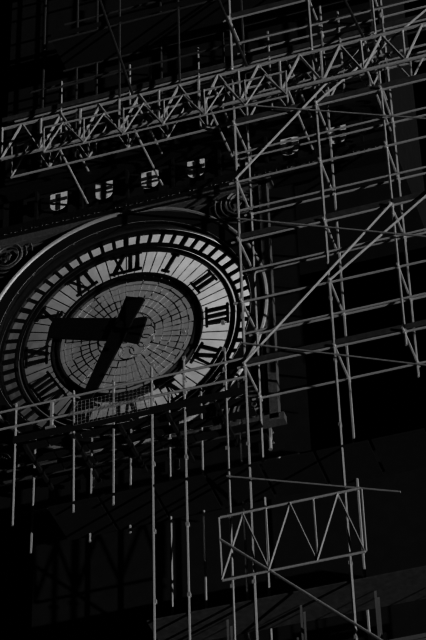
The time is **9:34**
